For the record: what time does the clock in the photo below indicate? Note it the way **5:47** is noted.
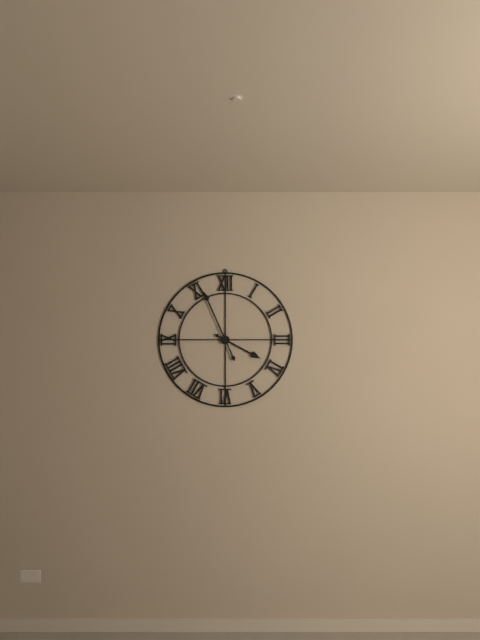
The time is **3:56**
